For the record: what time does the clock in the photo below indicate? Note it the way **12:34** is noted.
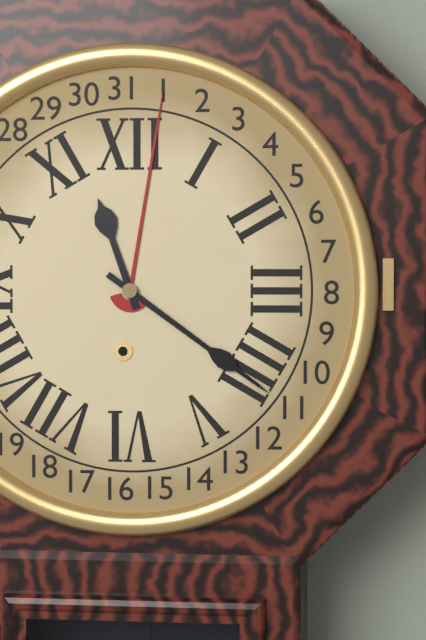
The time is **11:21**
